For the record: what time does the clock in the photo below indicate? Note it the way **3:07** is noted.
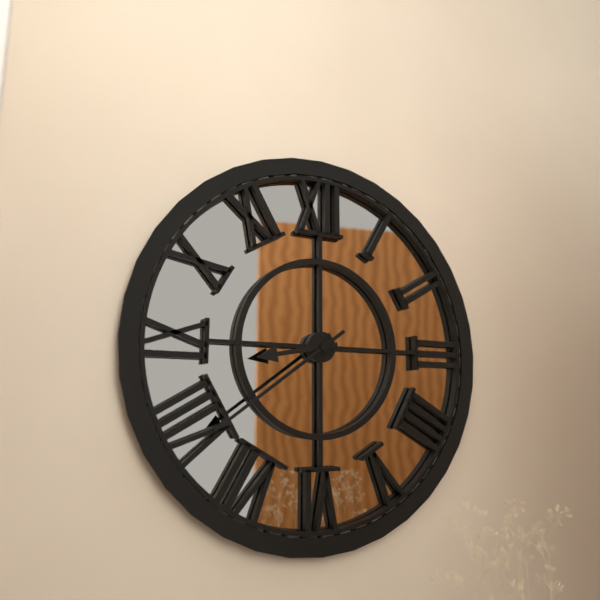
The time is **8:39**
